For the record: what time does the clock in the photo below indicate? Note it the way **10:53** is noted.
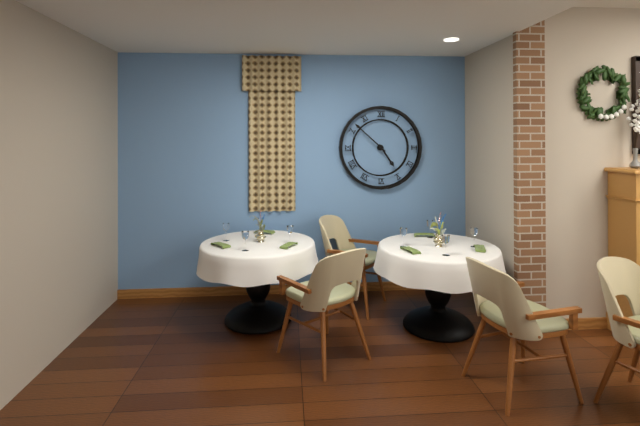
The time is **4:52**
